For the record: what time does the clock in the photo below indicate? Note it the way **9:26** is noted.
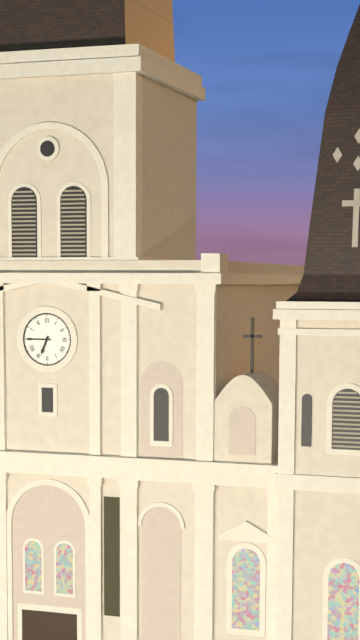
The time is **6:45**
